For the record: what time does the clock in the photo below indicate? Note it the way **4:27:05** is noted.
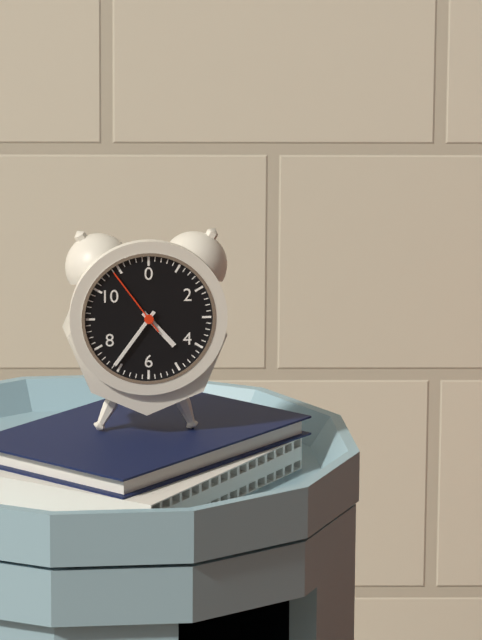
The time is **4:36:54**
